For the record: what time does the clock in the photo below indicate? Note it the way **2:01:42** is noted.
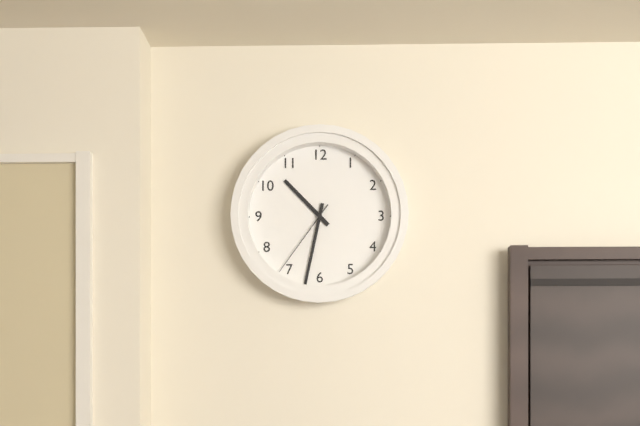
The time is **10:32:36**
